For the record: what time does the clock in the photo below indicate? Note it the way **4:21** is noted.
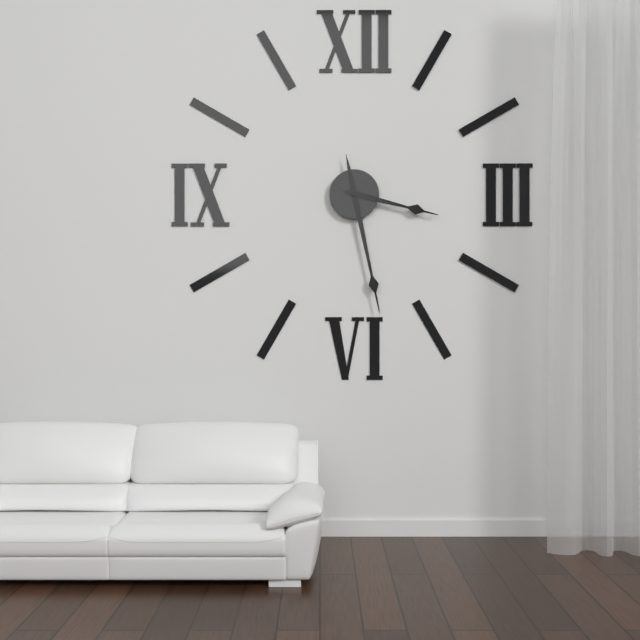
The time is **3:28**
